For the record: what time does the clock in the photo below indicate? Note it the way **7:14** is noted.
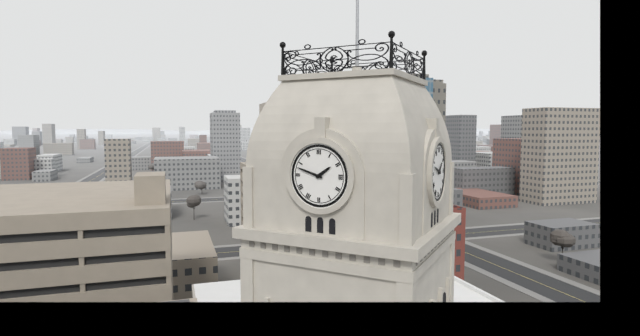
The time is **1:48**
